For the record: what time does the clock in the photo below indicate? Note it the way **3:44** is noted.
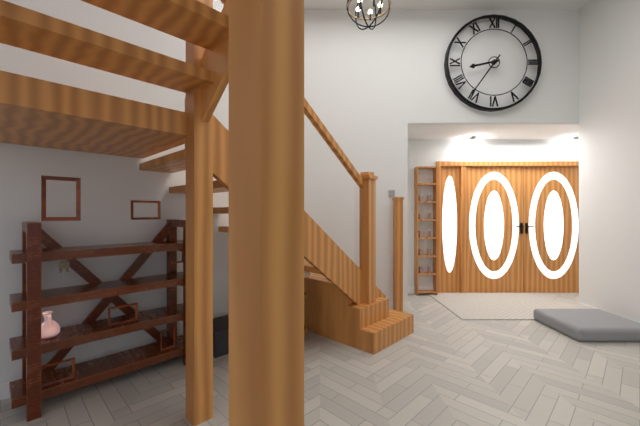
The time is **8:36**
